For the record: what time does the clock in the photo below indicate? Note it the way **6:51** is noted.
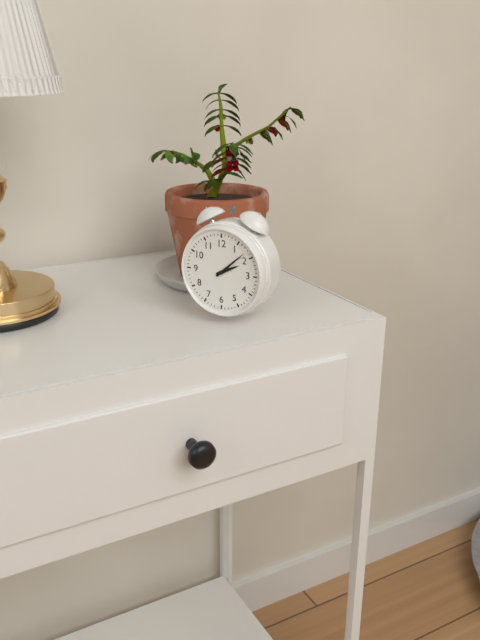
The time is **2:08**
